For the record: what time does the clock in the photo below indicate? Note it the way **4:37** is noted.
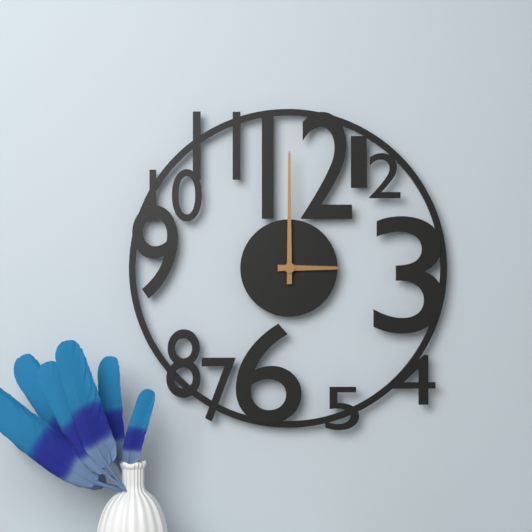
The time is **3:00**
